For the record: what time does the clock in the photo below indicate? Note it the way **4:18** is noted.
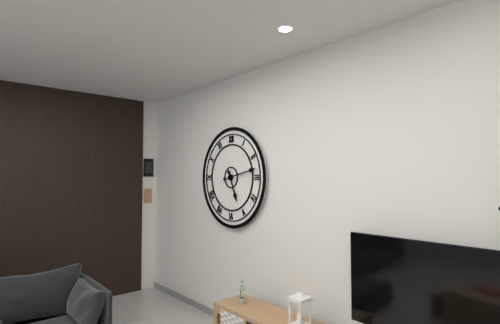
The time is **5:13**
